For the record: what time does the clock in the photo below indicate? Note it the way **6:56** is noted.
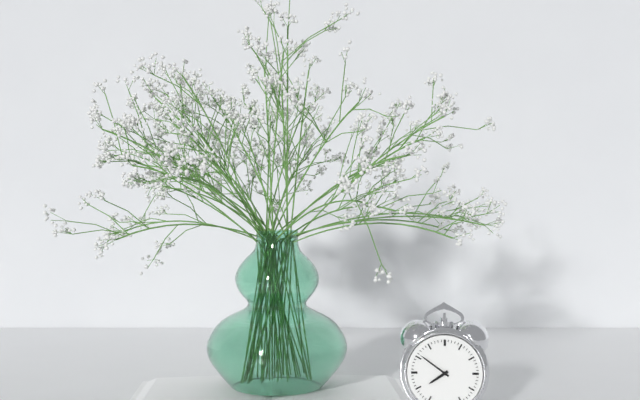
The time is **7:51**
